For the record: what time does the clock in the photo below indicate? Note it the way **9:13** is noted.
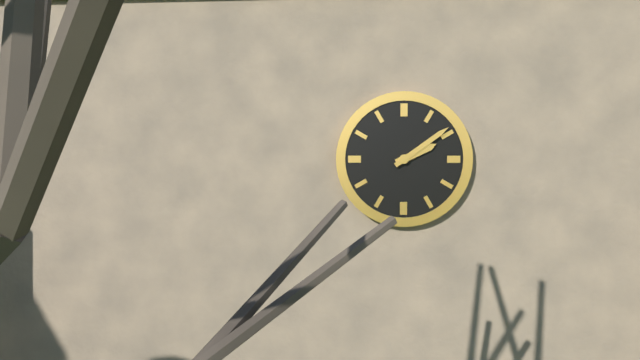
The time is **2:09**
